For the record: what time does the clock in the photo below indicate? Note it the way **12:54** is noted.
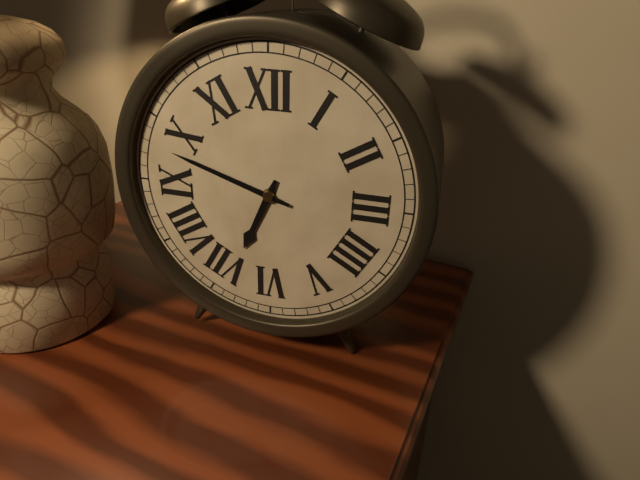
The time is **6:48**
